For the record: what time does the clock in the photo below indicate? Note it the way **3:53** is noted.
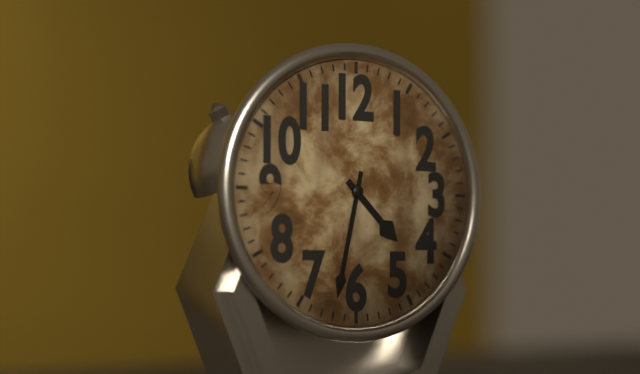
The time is **4:32**
